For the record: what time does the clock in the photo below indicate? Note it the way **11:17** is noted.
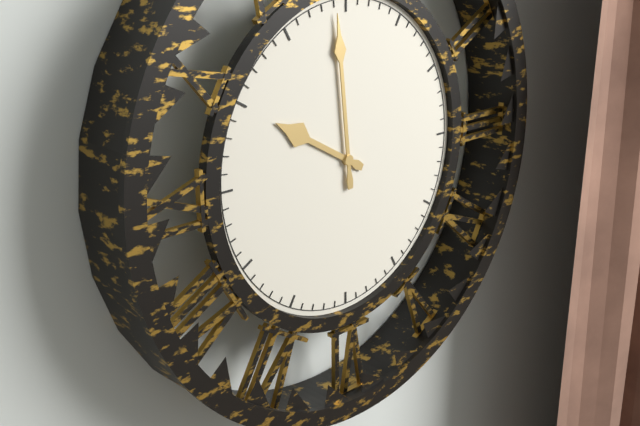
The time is **9:59**
